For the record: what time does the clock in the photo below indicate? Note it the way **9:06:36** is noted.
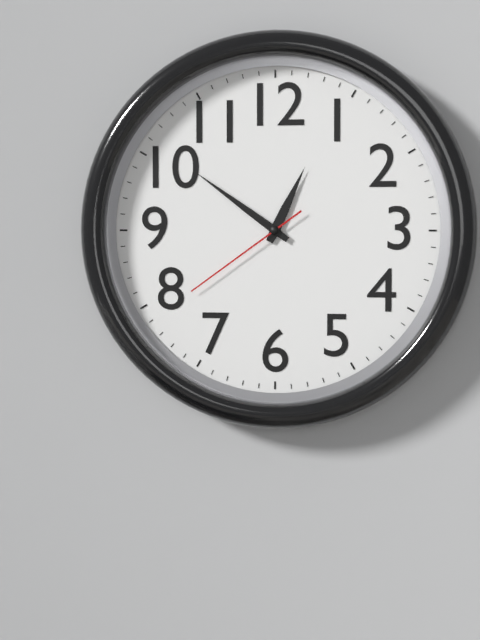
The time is **12:51:39**
